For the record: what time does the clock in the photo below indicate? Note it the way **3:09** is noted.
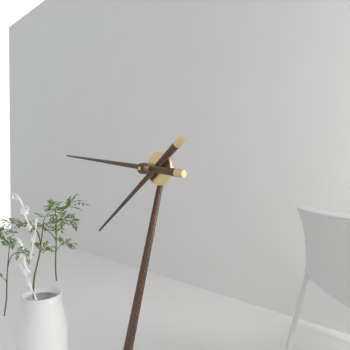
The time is **7:46**
